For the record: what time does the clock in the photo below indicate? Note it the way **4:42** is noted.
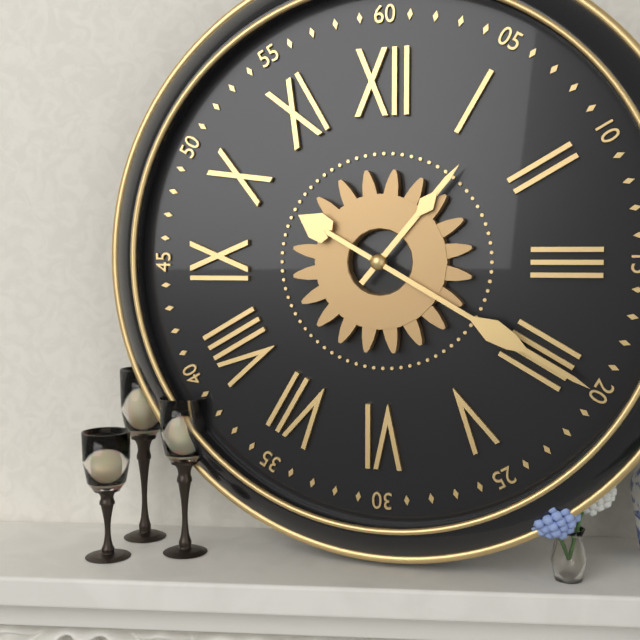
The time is **1:20**
